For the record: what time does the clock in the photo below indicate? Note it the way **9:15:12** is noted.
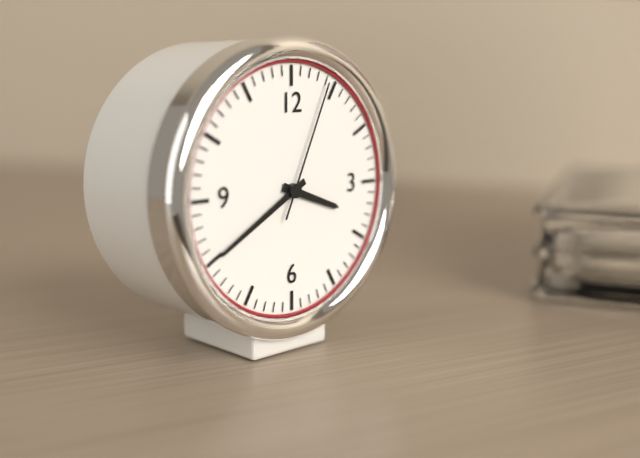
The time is **3:40:04**
